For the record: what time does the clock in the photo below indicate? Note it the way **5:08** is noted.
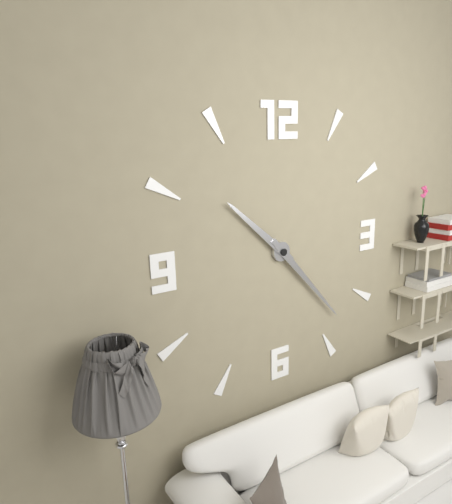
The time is **10:23**
